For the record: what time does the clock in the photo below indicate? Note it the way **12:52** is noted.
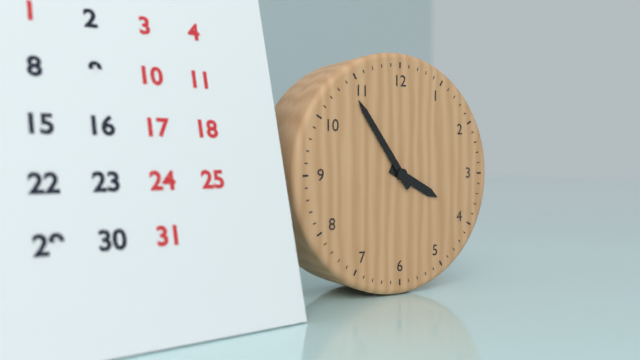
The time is **3:54**
